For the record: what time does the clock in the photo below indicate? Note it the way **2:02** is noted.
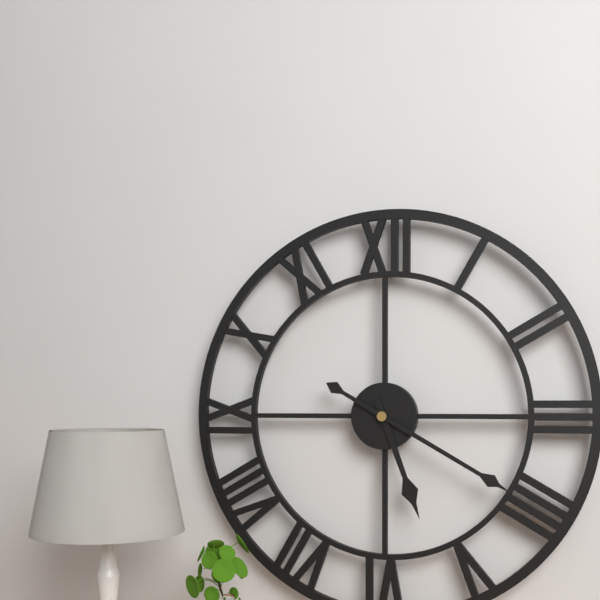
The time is **5:20**
